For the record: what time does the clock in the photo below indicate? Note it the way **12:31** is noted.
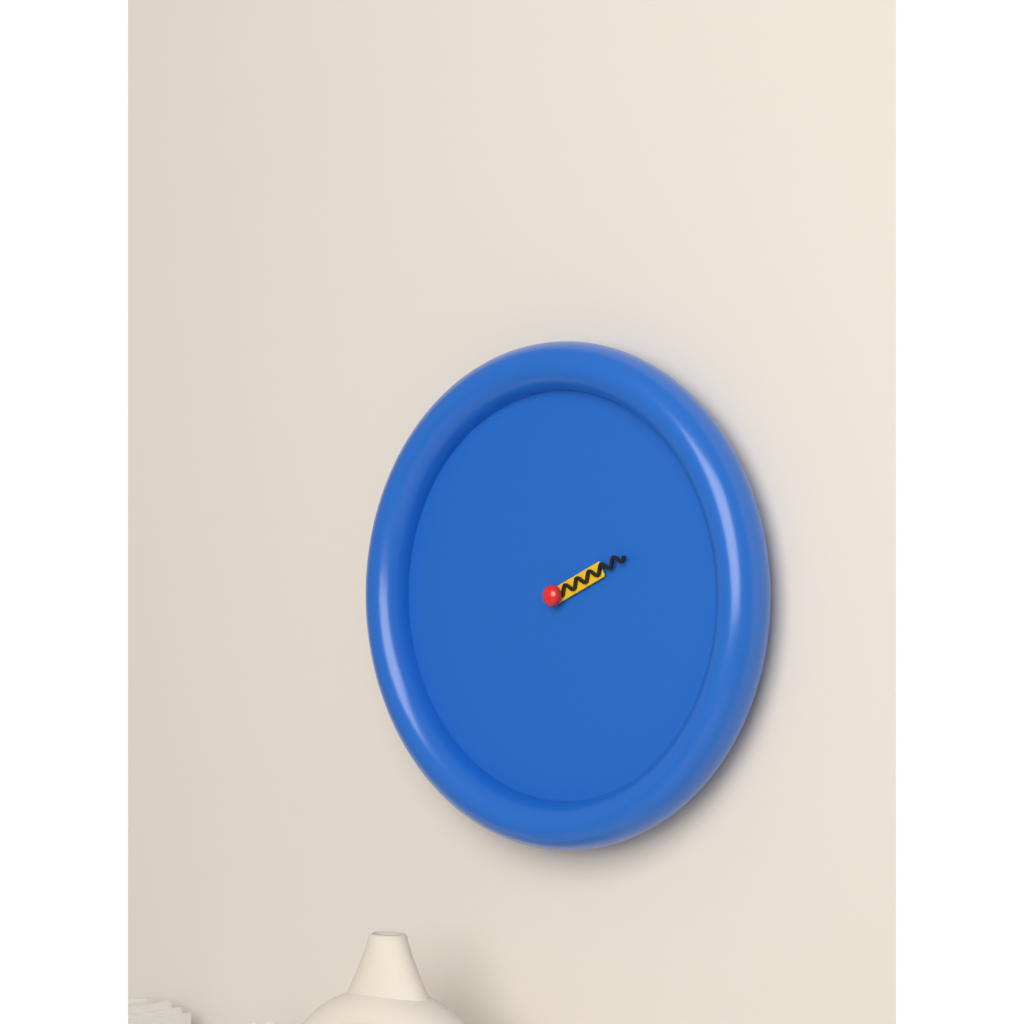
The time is **2:11**
